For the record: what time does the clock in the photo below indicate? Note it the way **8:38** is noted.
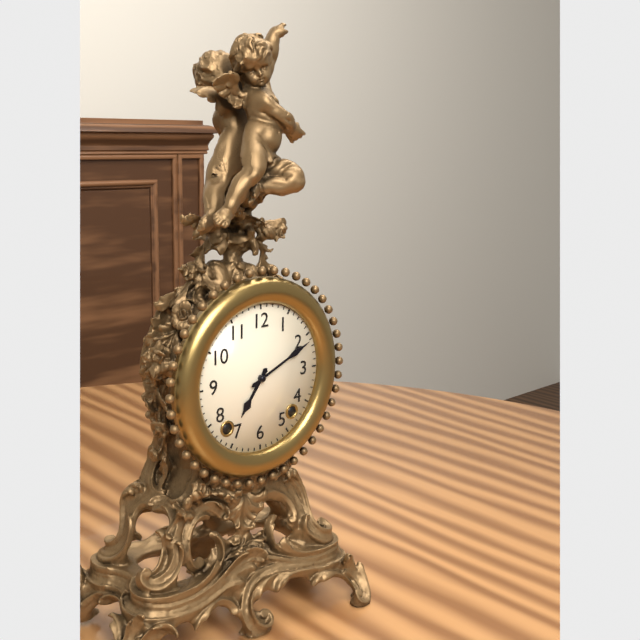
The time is **7:11**
